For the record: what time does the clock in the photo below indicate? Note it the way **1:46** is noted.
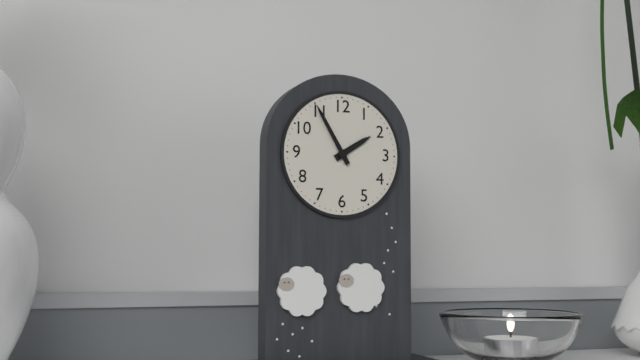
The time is **1:55**
